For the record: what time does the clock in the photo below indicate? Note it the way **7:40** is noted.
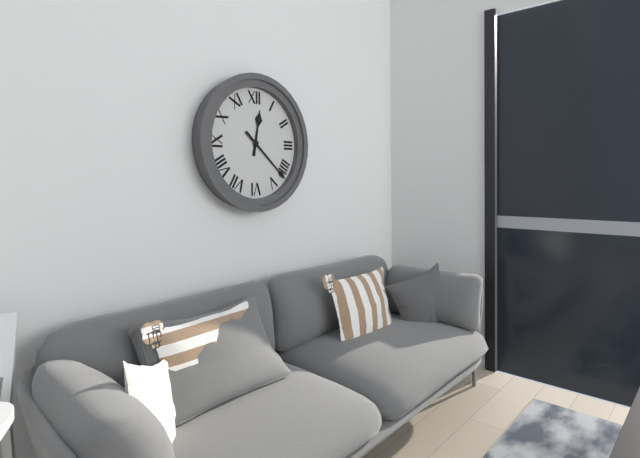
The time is **12:22**
